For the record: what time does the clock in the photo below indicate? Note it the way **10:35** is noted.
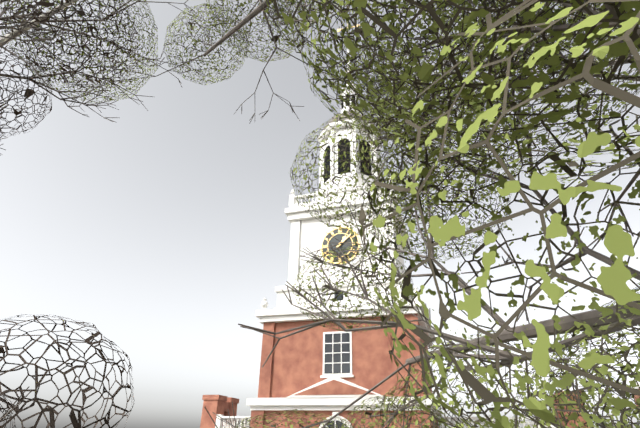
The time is **1:08**
